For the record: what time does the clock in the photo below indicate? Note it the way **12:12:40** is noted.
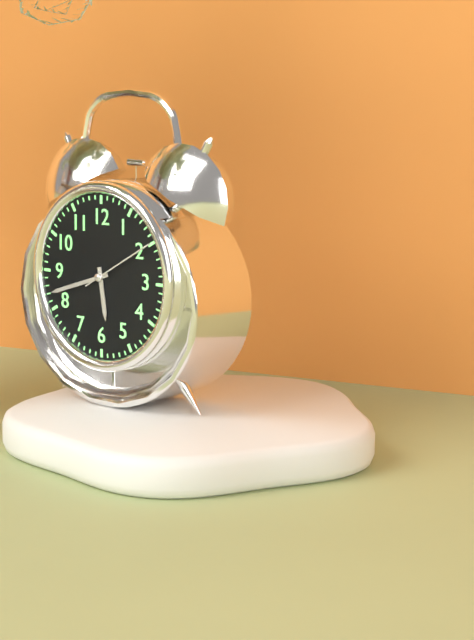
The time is **5:42:10**
